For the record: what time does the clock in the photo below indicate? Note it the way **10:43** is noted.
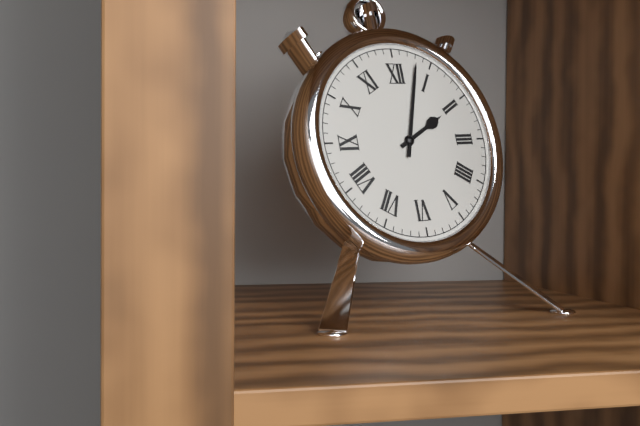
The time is **2:03**
